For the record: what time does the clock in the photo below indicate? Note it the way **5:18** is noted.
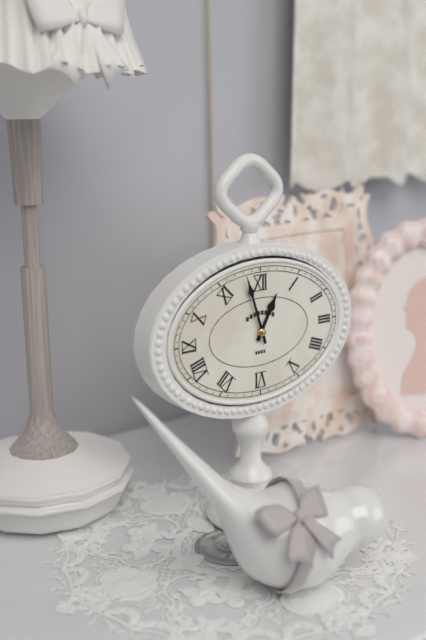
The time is **12:57**
